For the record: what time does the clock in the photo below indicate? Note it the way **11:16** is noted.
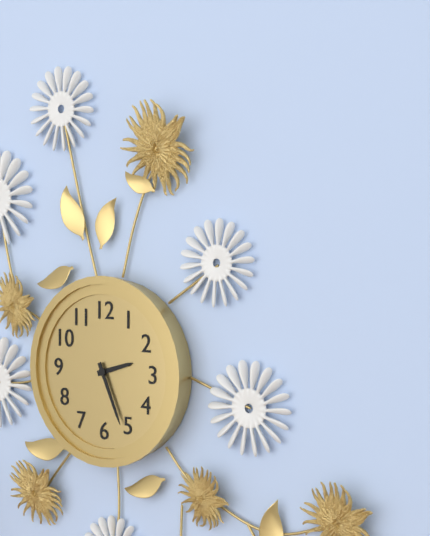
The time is **2:26**
